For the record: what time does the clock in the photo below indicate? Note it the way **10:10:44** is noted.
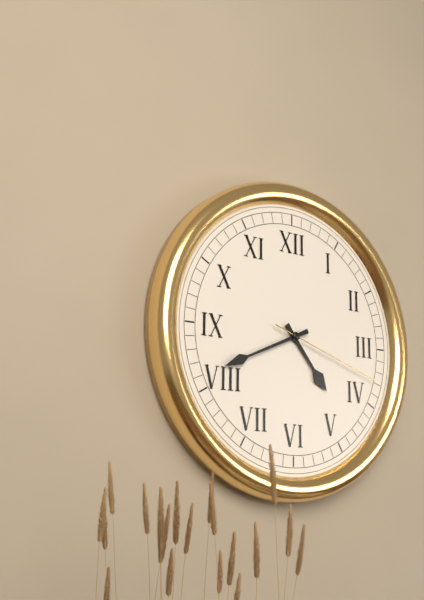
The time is **4:41:18**
